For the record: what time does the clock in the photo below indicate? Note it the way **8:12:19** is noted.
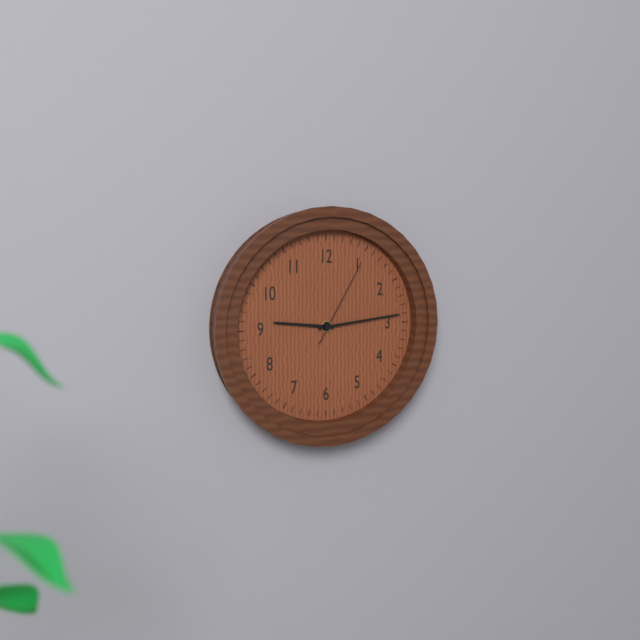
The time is **9:14:05**
